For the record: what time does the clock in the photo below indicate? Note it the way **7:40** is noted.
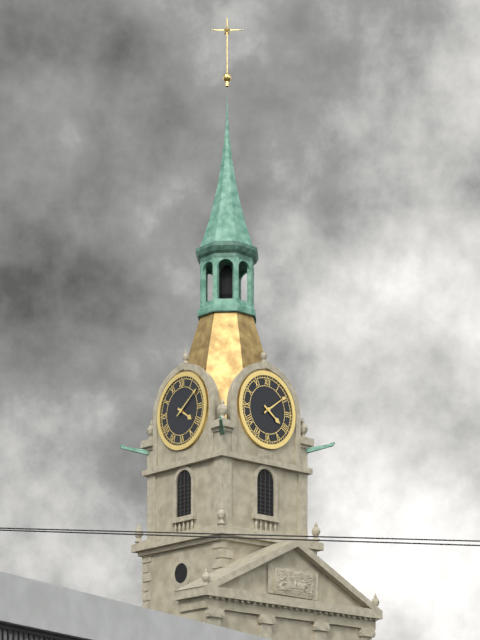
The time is **4:09**
